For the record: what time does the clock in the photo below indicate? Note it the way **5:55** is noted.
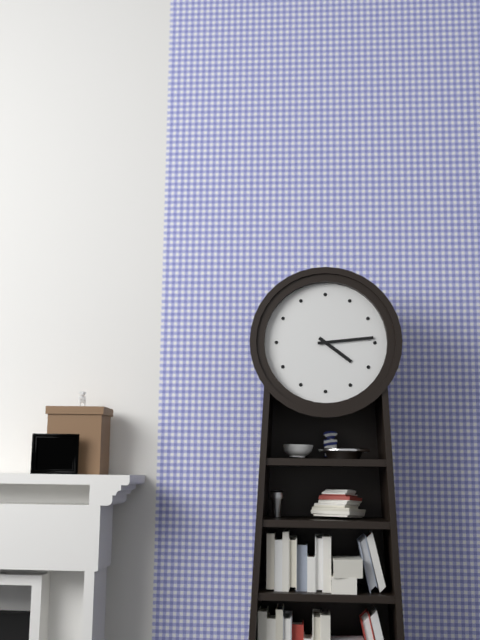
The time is **4:14**
